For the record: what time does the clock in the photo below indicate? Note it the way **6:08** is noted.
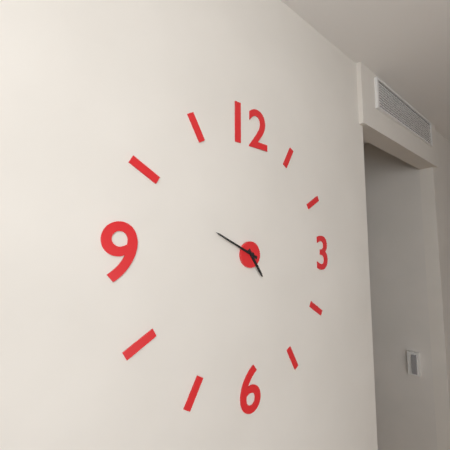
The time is **4:49**
